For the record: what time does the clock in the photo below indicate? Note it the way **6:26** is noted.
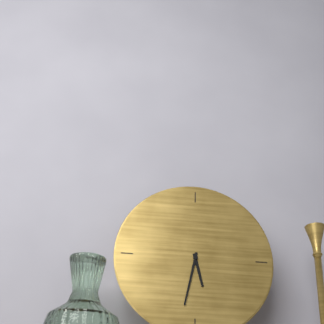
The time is **5:32**
